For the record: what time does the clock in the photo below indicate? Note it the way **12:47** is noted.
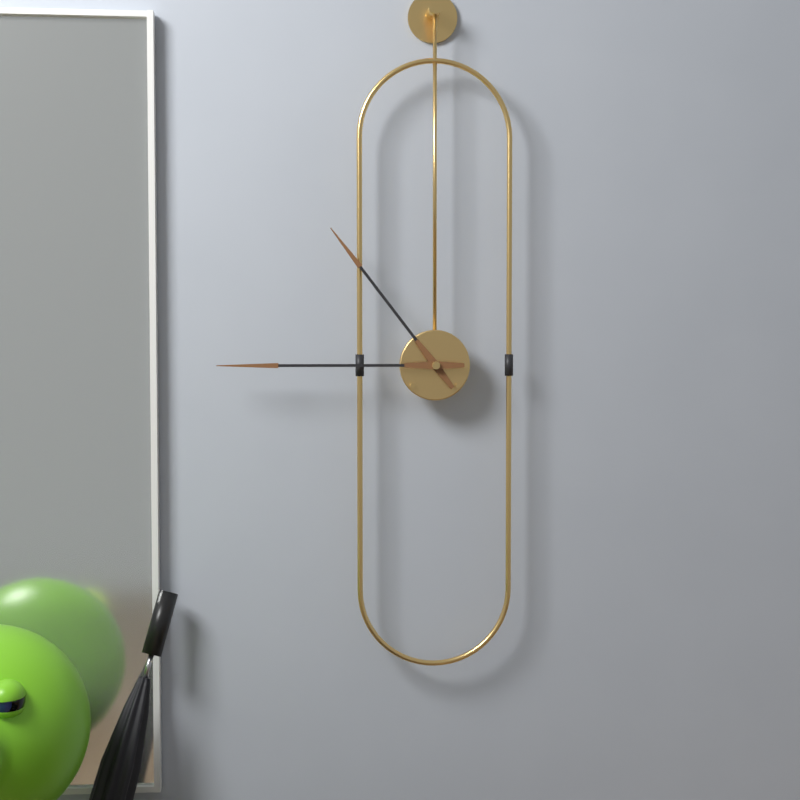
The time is **10:45**
